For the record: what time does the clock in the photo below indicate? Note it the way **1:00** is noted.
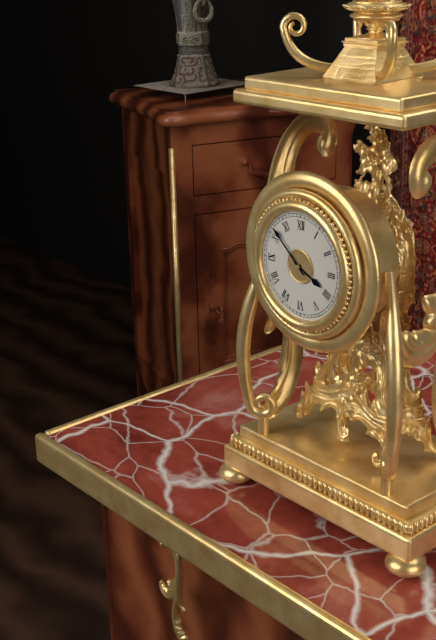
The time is **3:52**
